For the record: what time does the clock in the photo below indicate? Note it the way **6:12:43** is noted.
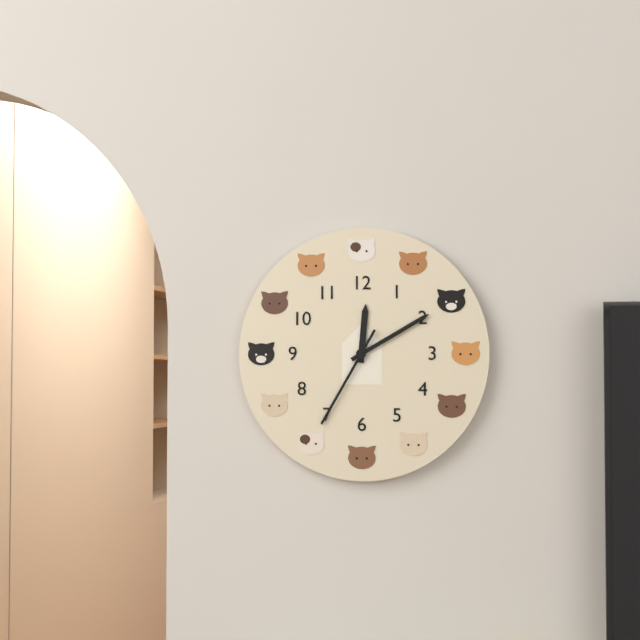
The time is **12:10:35**
